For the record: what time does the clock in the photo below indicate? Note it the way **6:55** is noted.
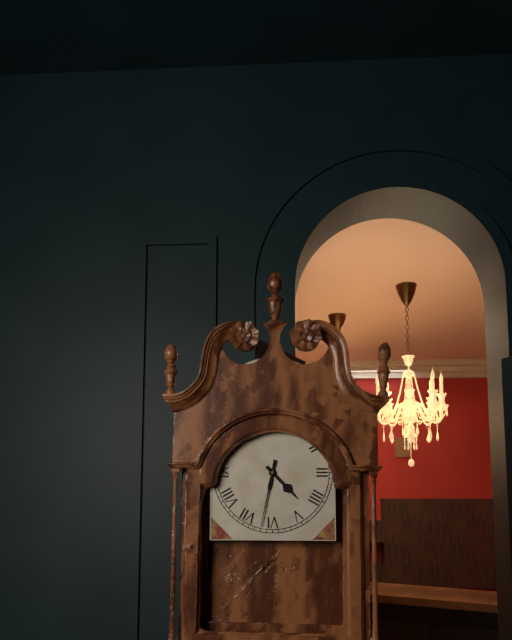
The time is **4:32**
